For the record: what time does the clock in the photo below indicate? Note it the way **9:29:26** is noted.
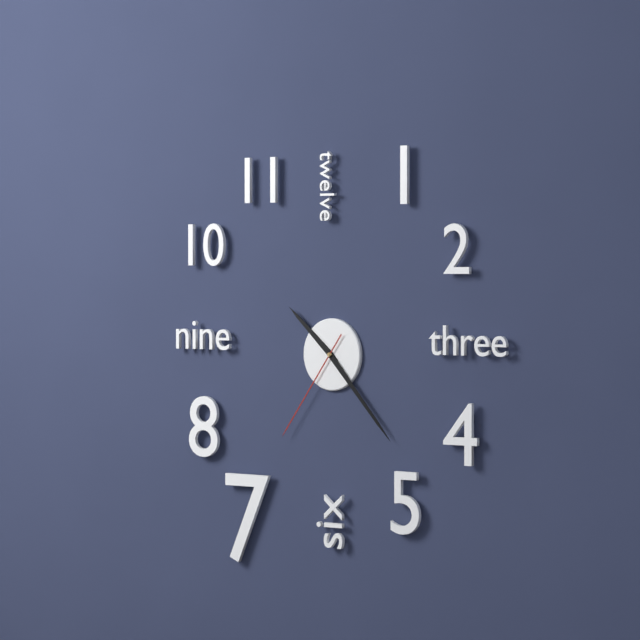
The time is **10:23:36**
